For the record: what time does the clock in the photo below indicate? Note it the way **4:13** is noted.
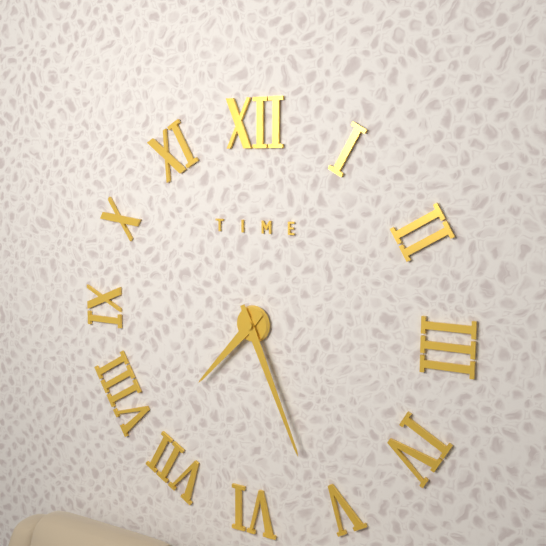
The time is **7:26**
